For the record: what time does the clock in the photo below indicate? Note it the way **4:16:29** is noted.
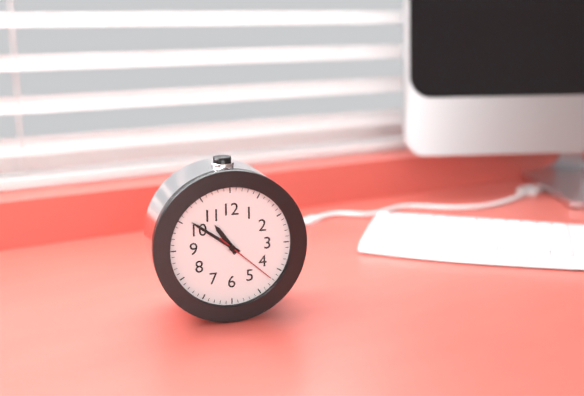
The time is **10:51:22**
